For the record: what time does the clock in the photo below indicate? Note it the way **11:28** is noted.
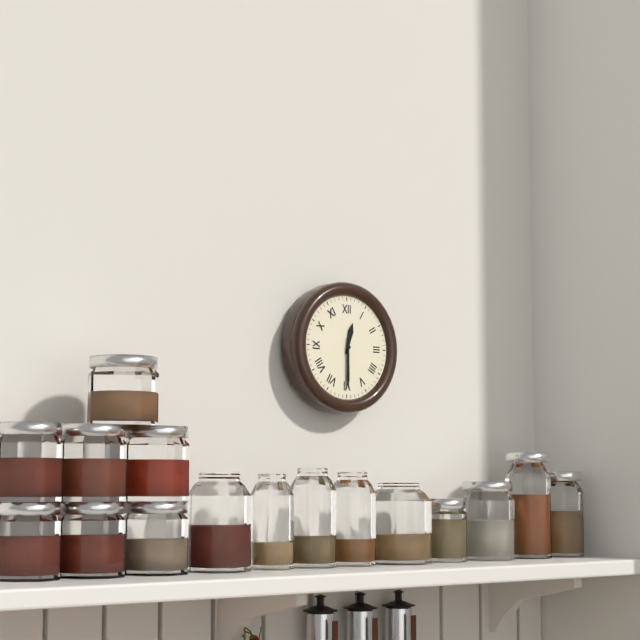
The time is **12:30**
